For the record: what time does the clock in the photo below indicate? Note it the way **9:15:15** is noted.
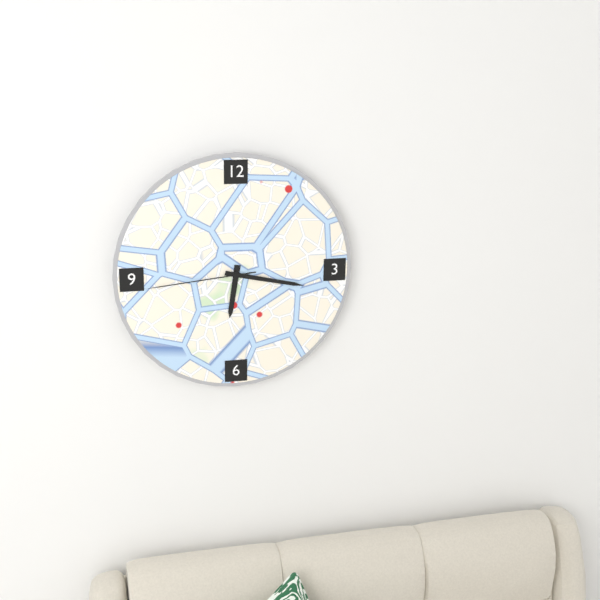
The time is **6:17:44**
